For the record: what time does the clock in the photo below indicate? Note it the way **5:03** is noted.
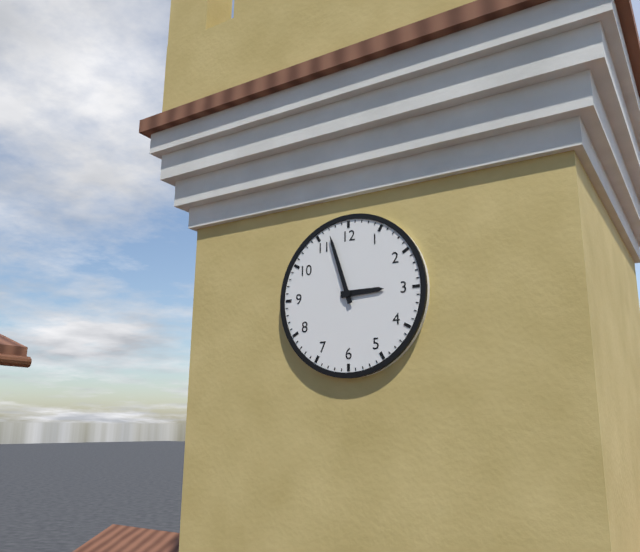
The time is **2:57**
